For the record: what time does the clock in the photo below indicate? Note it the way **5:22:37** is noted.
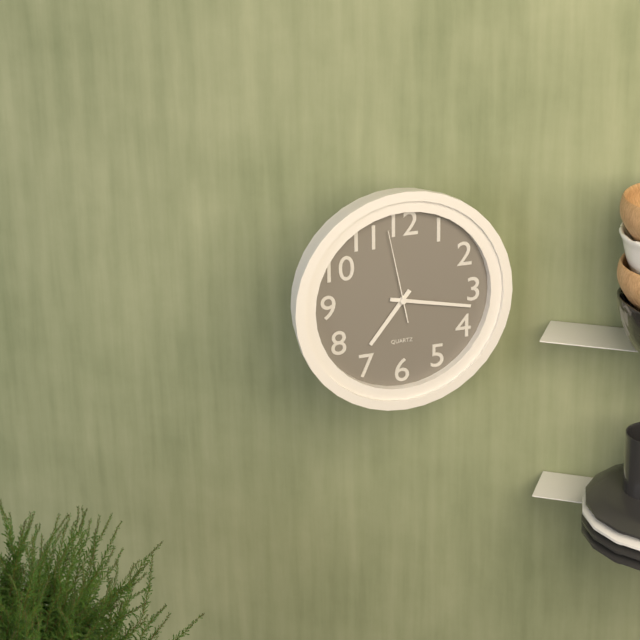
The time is **7:17:58**
